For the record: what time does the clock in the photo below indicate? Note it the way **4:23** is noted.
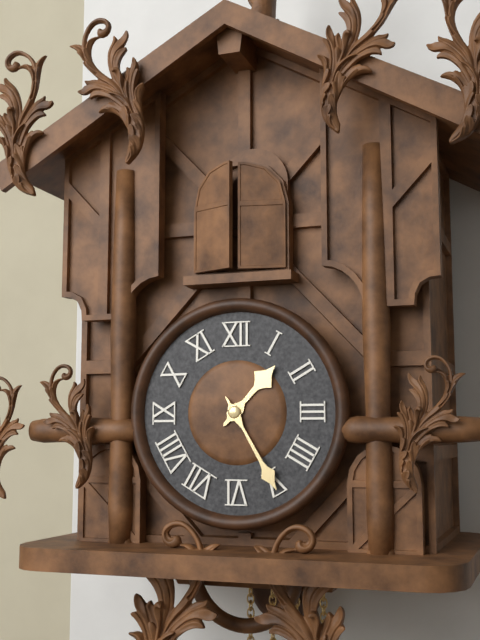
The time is **1:25**
